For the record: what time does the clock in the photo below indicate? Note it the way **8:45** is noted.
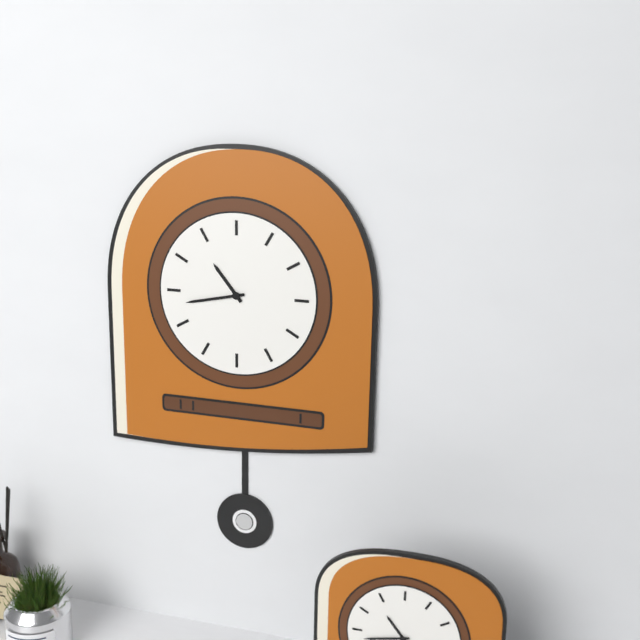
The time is **10:43**
